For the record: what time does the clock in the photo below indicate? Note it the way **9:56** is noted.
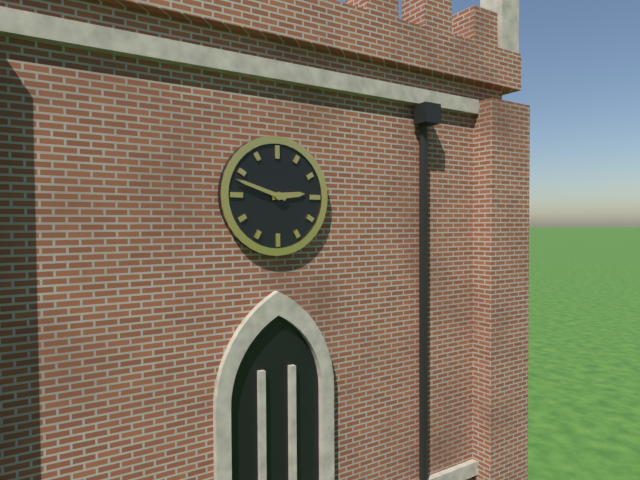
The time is **2:48**
